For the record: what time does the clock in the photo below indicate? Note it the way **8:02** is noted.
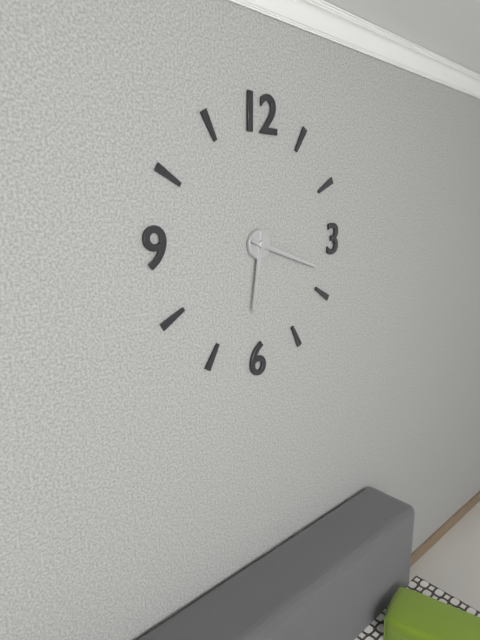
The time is **6:18**
